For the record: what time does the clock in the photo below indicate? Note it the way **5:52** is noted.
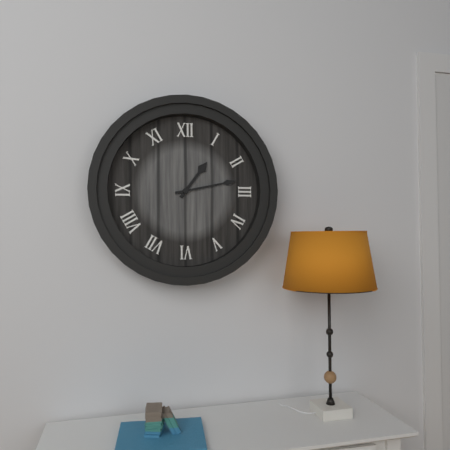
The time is **1:13**
